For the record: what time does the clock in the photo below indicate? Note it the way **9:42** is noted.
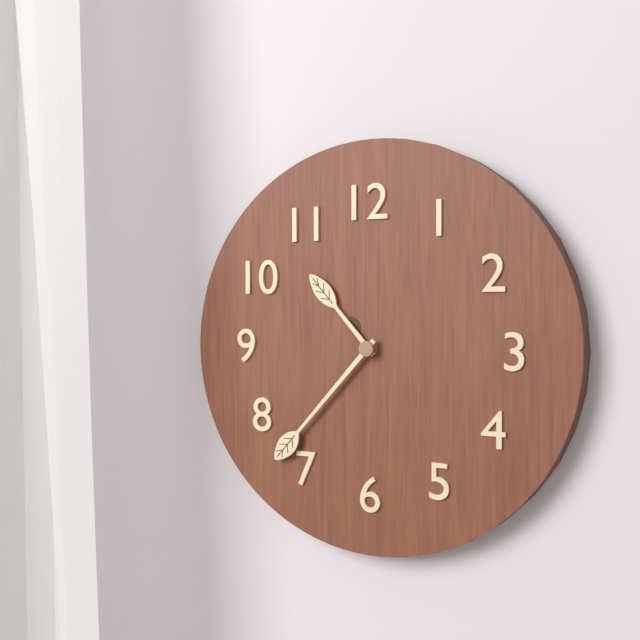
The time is **10:37**
